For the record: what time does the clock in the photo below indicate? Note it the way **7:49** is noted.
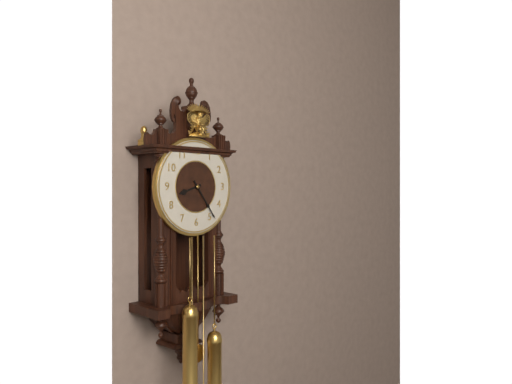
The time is **8:24**
